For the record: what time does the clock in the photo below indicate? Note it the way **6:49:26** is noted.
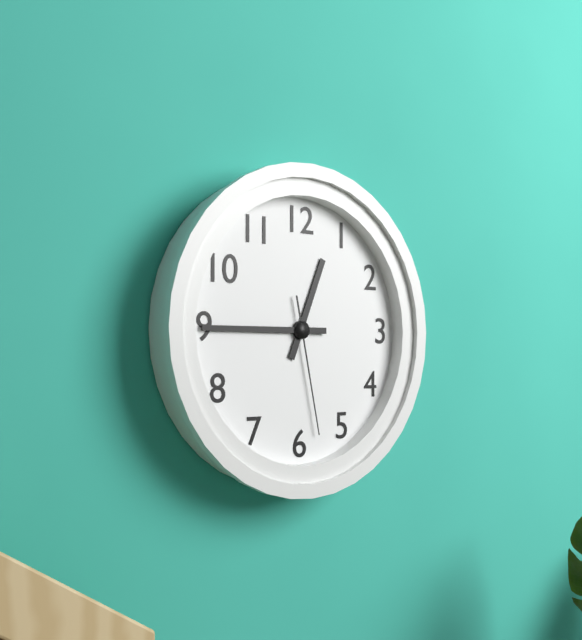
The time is **12:45:28**
